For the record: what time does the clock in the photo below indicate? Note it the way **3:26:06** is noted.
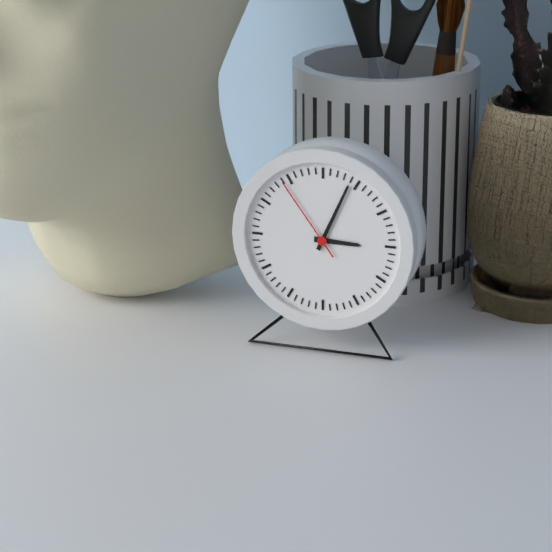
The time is **3:04:54**
